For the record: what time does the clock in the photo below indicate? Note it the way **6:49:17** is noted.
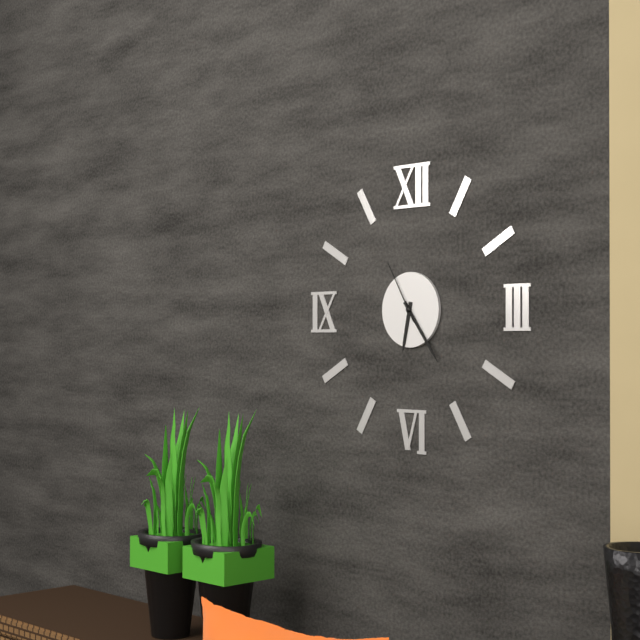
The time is **6:24:55**
